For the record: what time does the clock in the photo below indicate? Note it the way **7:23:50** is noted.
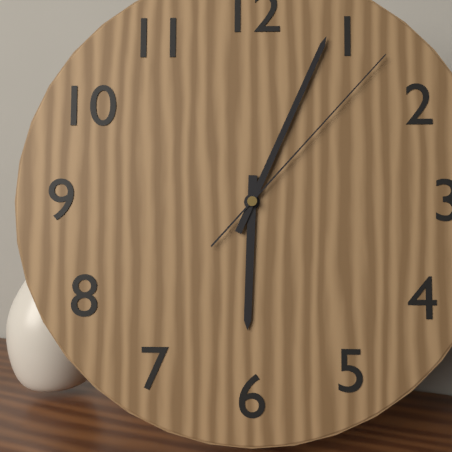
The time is **6:04:07**
